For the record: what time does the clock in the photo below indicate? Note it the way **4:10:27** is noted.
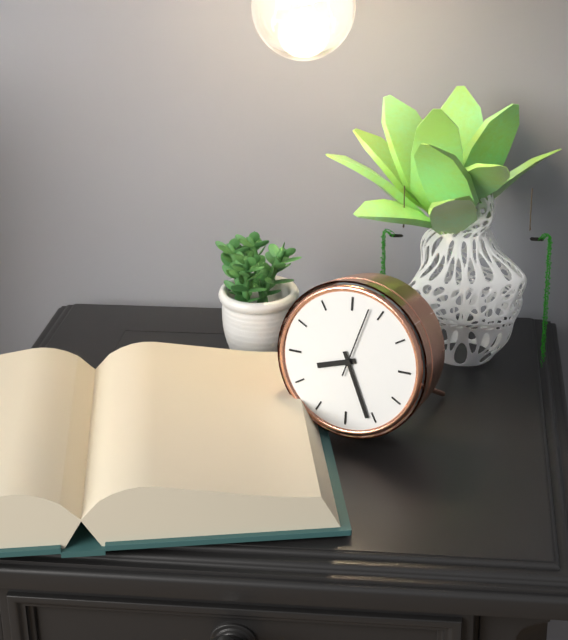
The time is **8:26:03**
